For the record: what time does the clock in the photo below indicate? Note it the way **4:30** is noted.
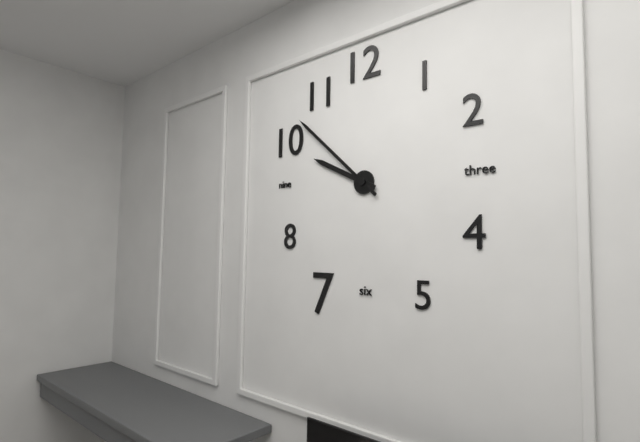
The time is **9:52**
